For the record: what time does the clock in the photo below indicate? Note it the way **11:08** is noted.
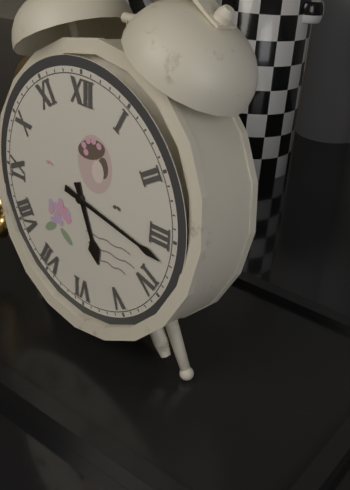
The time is **5:17**
